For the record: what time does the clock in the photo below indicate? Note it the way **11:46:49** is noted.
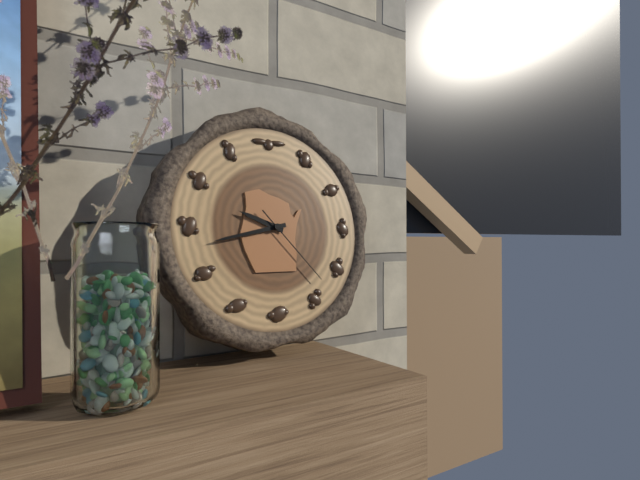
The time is **9:43:23**
